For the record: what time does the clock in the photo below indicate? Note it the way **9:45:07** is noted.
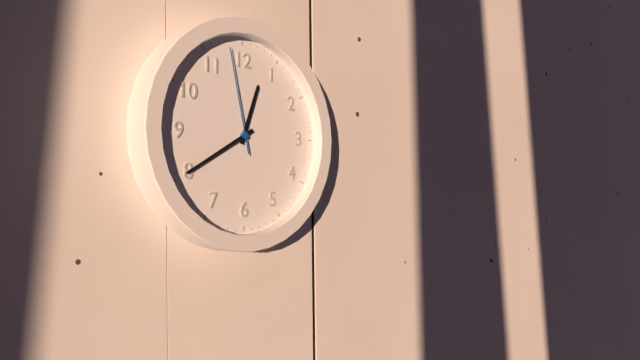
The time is **12:40:58**
